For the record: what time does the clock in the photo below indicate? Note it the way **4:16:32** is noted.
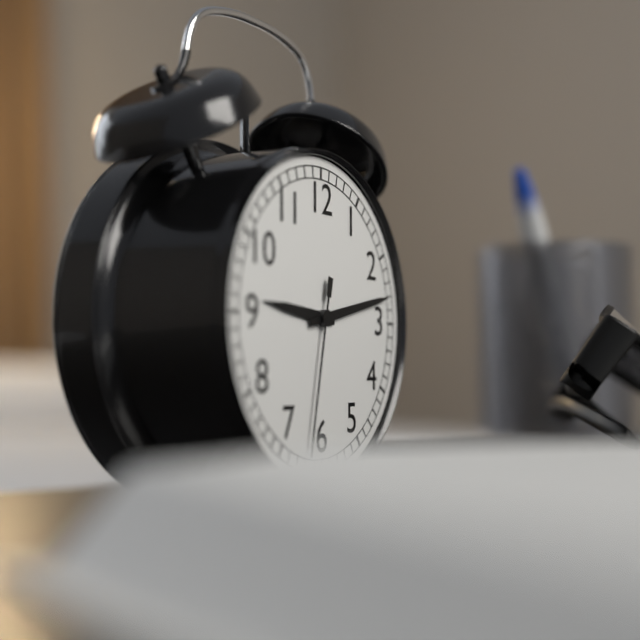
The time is **9:13:32**
